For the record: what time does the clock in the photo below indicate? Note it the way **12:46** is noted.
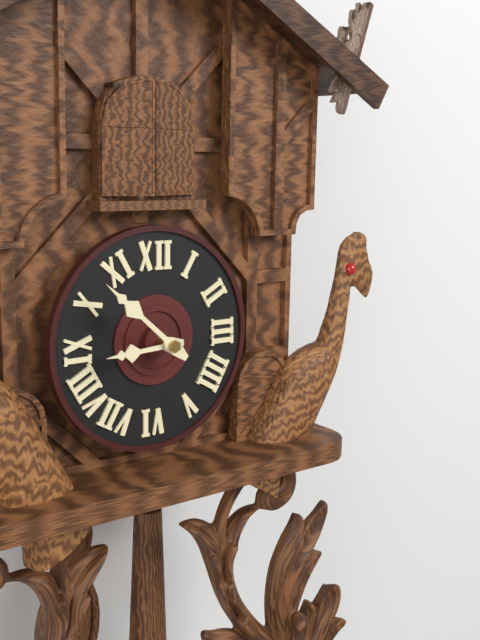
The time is **8:52**
